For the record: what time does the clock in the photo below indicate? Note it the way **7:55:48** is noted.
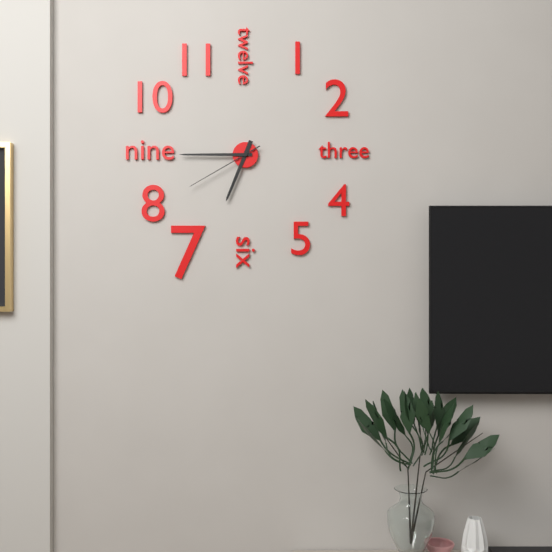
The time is **6:45:40**
